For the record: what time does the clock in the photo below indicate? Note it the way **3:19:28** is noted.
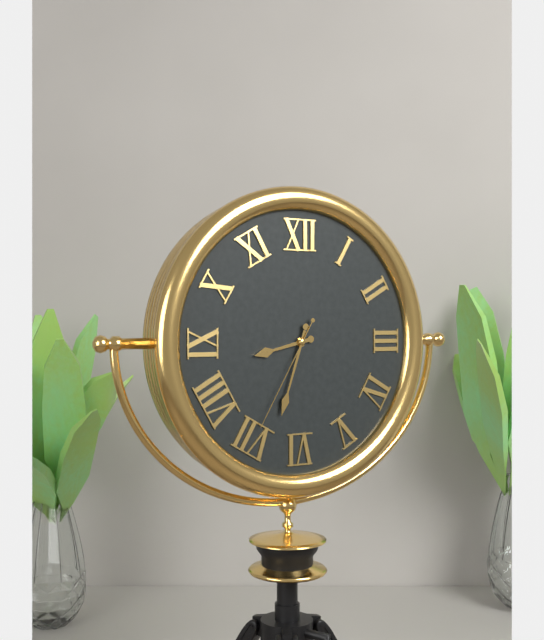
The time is **8:33:35**
